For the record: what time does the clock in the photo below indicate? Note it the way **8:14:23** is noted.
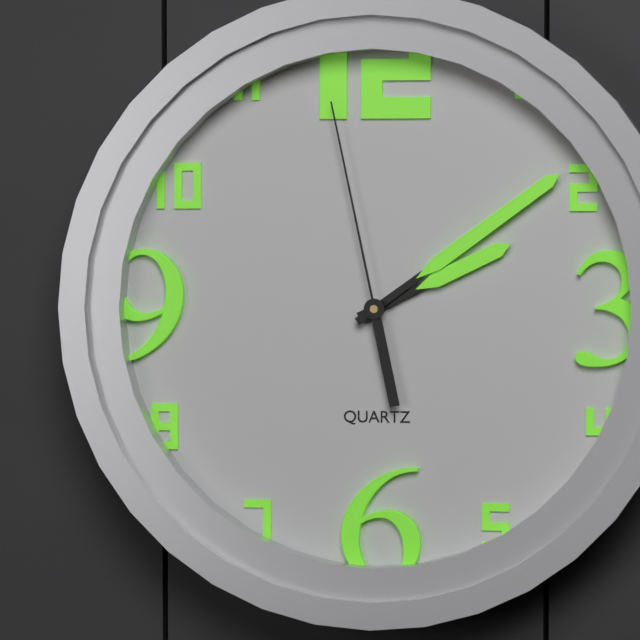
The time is **2:09:58**
